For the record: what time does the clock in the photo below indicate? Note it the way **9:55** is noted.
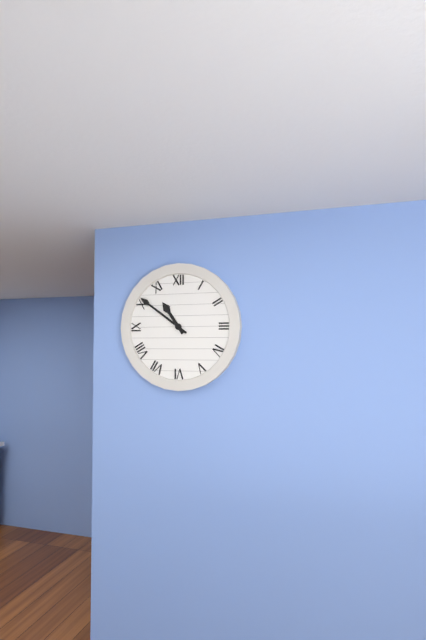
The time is **10:51**
